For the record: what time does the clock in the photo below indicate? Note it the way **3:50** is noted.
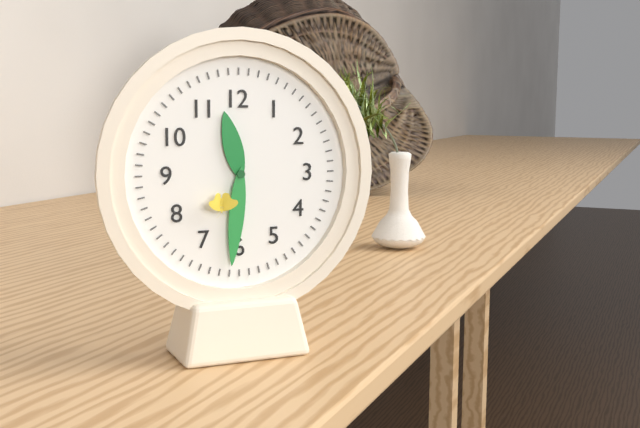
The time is **11:31**
